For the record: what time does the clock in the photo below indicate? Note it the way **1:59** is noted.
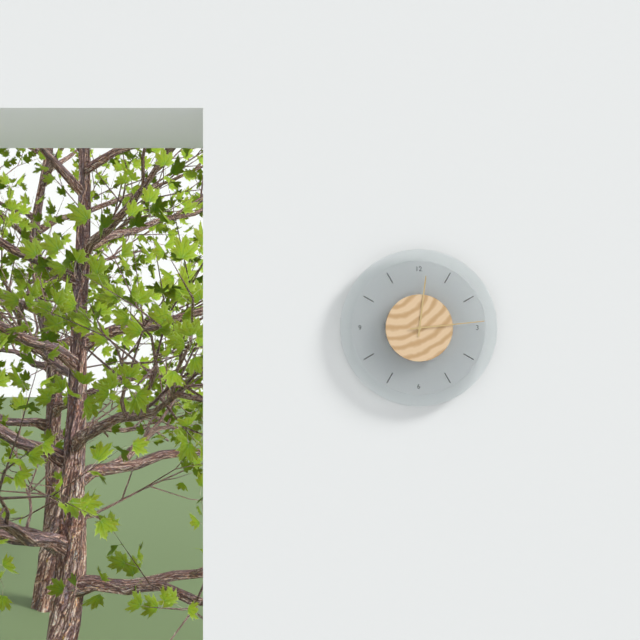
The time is **12:14**
